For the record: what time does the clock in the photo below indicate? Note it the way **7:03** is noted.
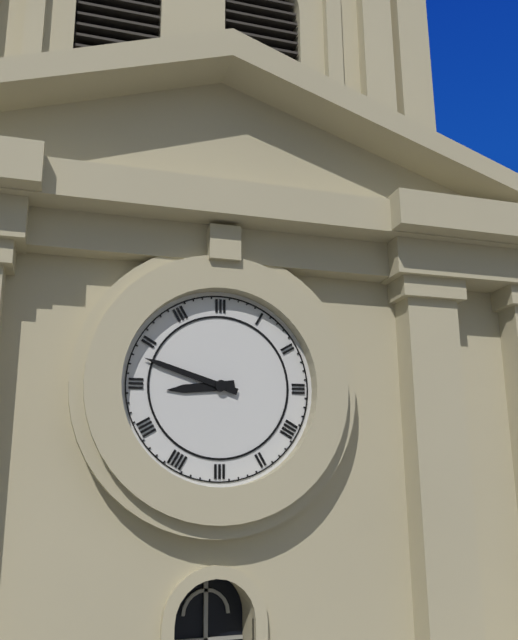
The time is **8:48**
